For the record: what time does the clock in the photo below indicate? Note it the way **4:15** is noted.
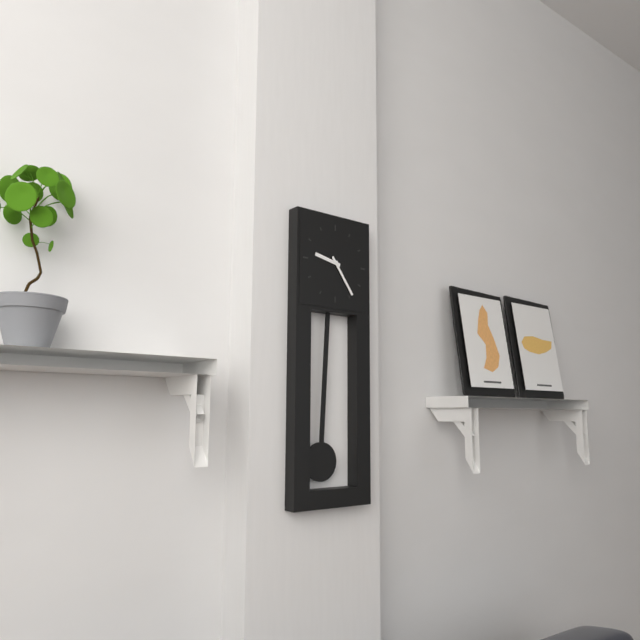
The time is **9:24**
